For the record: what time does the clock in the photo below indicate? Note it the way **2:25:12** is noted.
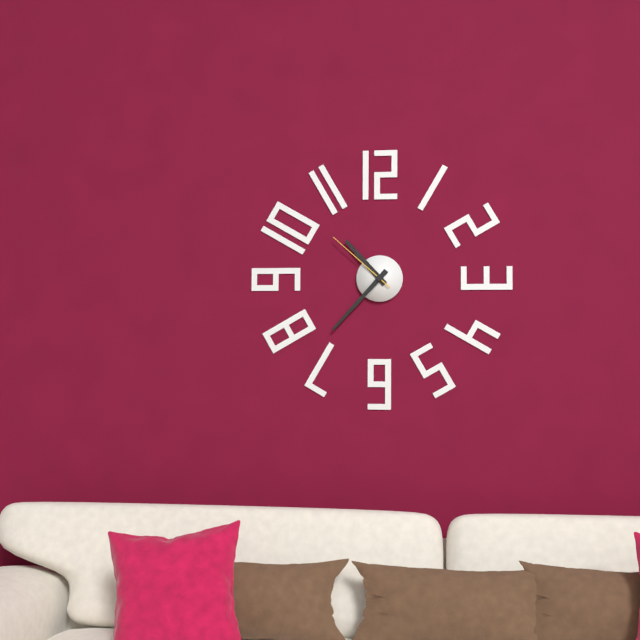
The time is **10:37:52**
